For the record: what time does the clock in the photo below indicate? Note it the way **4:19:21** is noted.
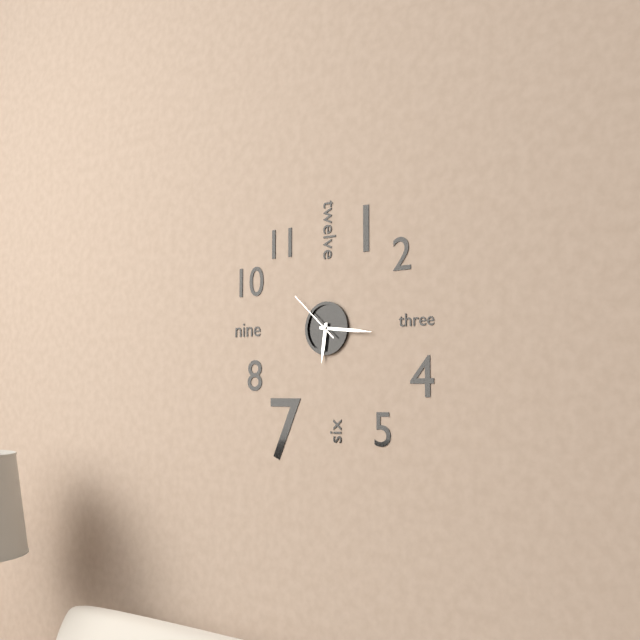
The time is **6:16:52**
